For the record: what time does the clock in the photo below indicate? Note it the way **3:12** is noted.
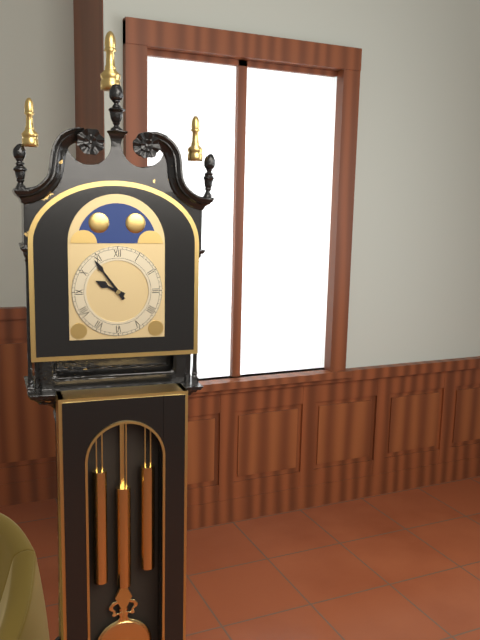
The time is **9:54**
